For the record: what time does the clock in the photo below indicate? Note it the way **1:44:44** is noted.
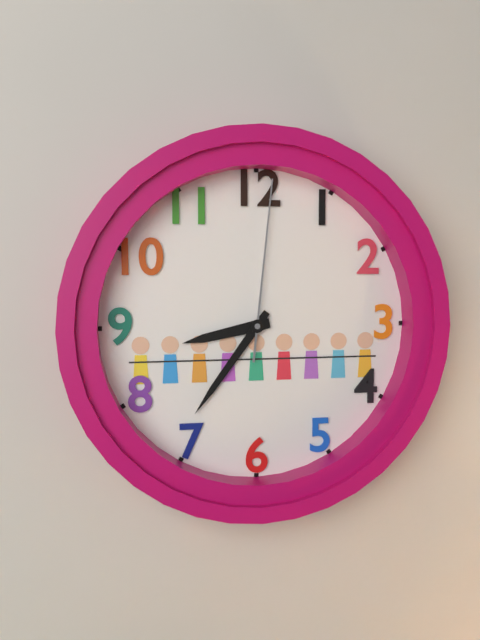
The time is **8:36:01**
